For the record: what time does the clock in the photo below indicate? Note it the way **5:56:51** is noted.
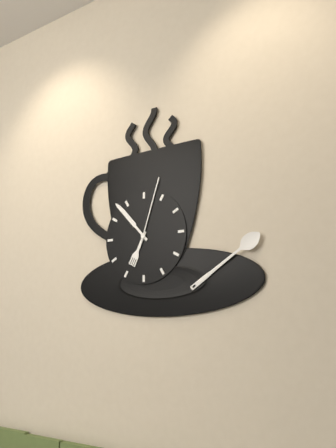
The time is **6:53:03**
